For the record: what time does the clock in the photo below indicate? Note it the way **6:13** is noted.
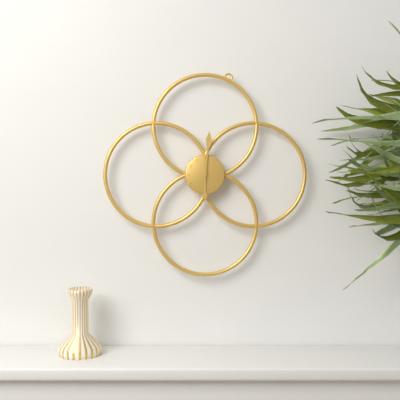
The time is **6:01**
